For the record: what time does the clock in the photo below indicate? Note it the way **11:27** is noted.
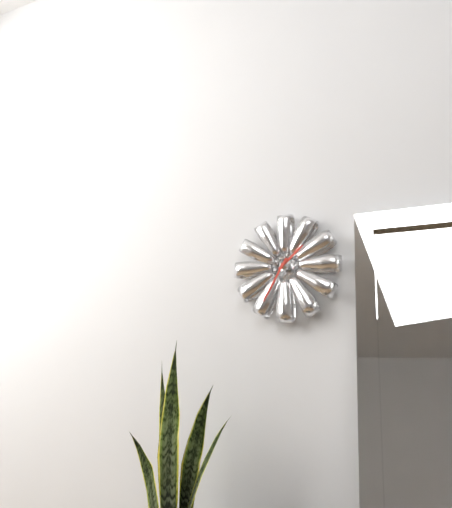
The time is **1:35**
